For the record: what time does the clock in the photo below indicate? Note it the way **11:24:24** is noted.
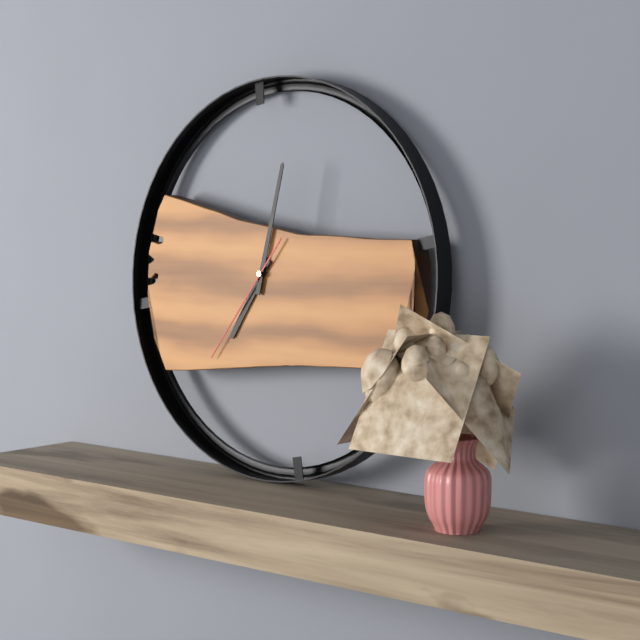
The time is **7:02:36**
